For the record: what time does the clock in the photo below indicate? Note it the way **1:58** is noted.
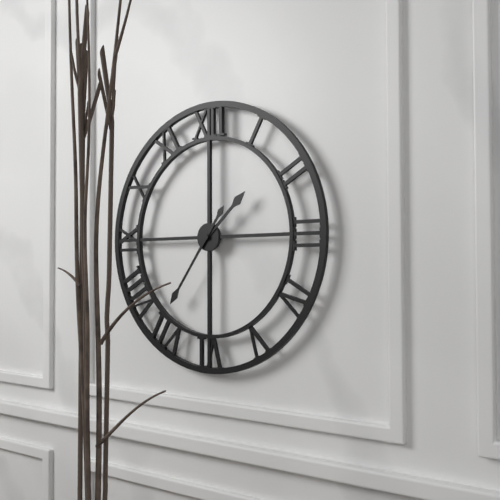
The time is **1:36**
